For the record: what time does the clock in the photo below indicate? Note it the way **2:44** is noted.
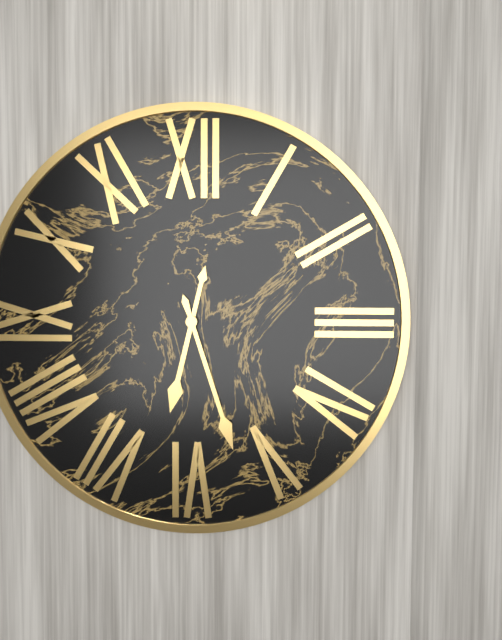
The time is **6:27**
